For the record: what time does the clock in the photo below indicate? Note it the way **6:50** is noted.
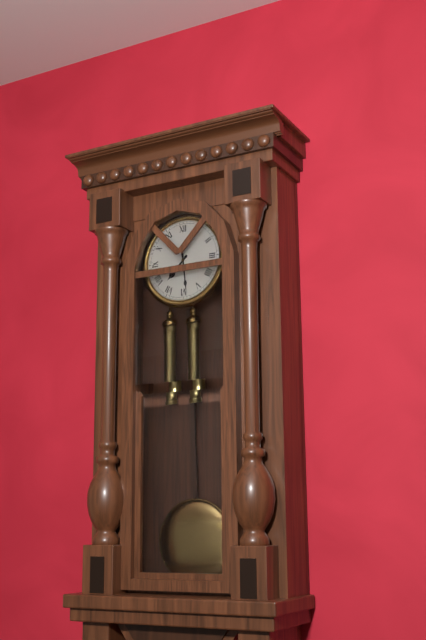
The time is **7:29**
